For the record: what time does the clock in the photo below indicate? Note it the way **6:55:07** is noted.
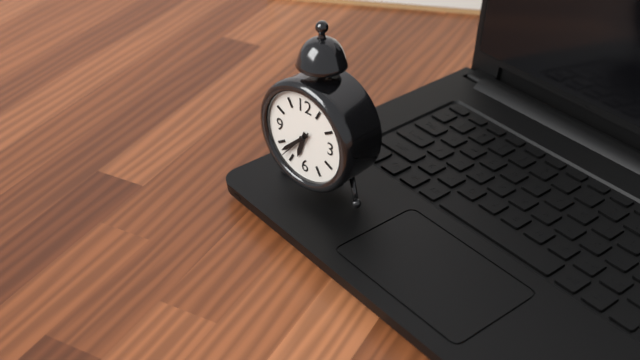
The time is **6:38:37**
